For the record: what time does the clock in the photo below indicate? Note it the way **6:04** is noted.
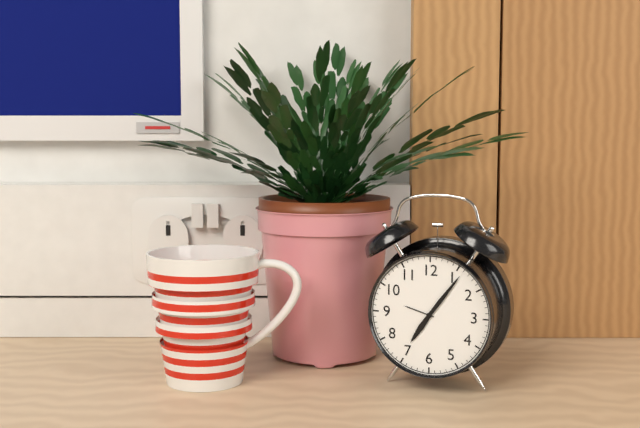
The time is **7:06**
